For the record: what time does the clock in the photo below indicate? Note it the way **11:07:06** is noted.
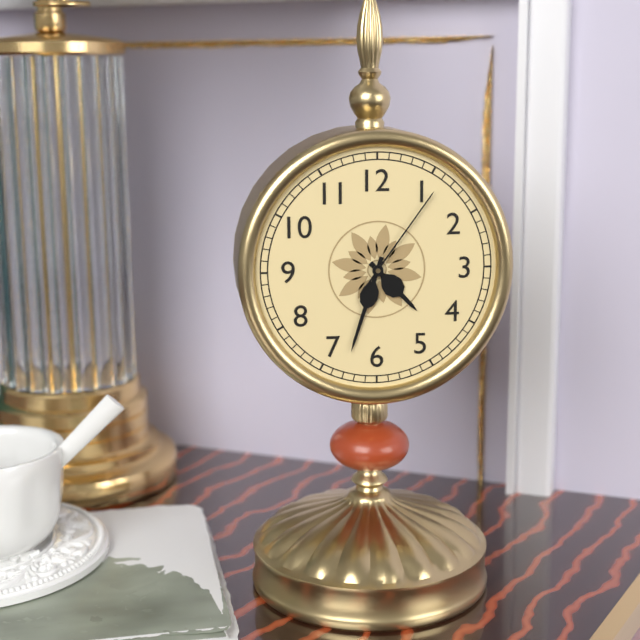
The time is **4:33:06**
